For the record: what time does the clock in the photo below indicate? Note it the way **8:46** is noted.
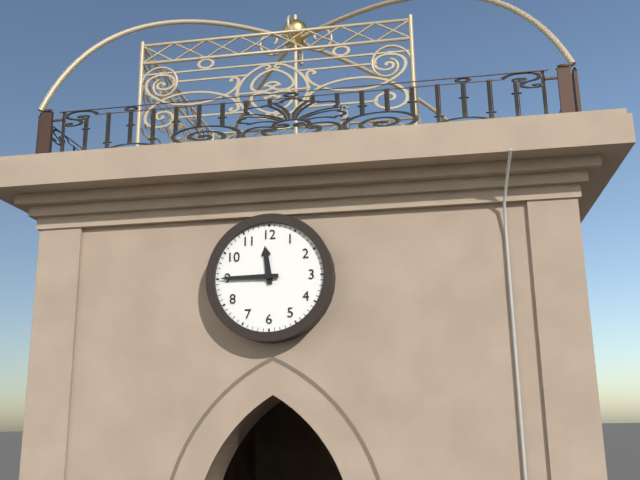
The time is **11:45**
